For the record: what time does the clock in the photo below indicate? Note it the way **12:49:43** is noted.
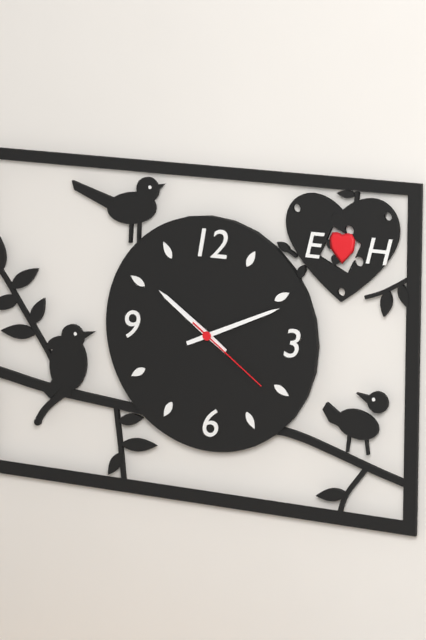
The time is **10:11:21**
